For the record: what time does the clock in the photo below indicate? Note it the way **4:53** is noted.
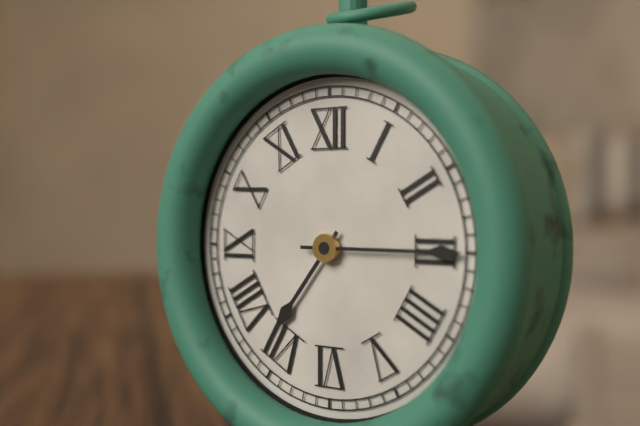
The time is **7:15**
